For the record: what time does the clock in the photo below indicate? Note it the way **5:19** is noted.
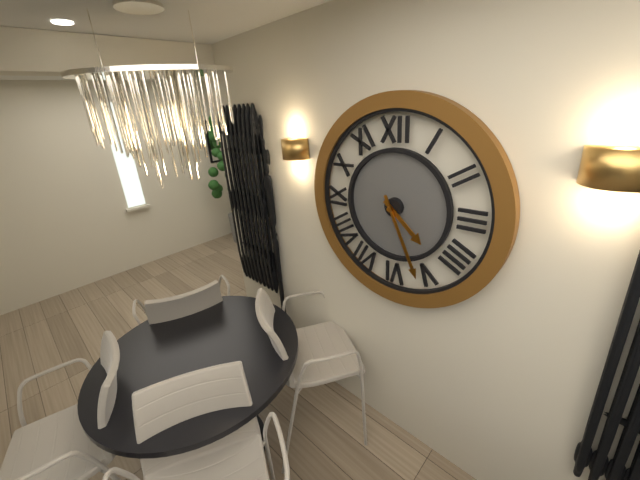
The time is **4:26**
